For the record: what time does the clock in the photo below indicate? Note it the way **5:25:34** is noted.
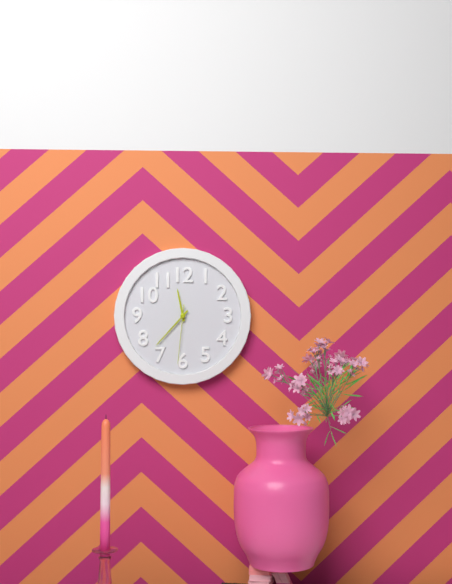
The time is **11:37:31**
